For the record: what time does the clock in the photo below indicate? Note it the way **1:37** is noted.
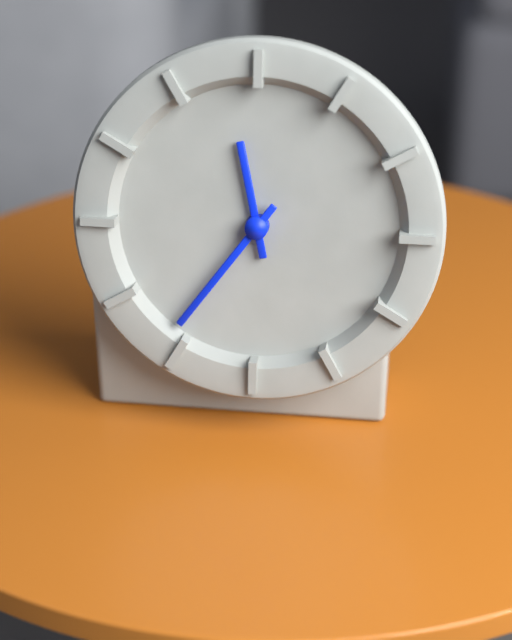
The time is **11:36**
